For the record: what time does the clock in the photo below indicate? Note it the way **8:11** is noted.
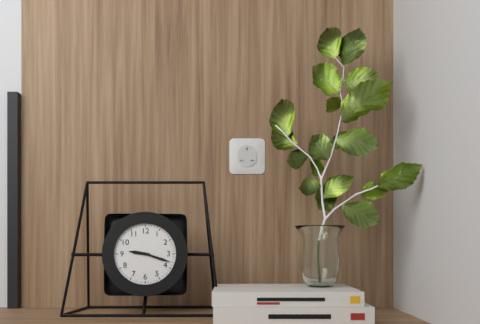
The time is **9:18**
